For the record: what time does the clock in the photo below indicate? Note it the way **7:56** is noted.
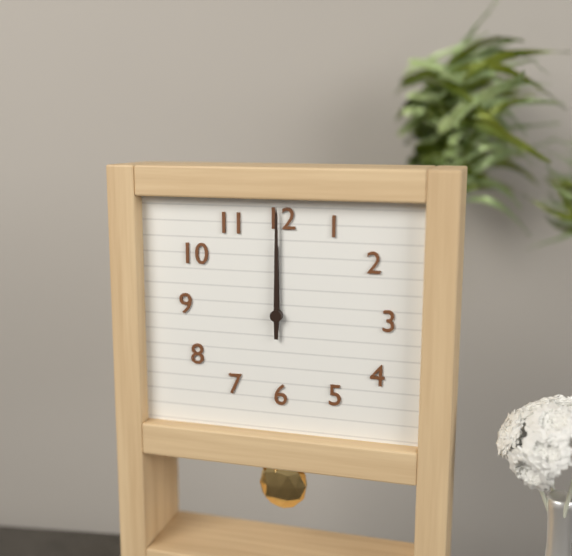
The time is **12:00**
